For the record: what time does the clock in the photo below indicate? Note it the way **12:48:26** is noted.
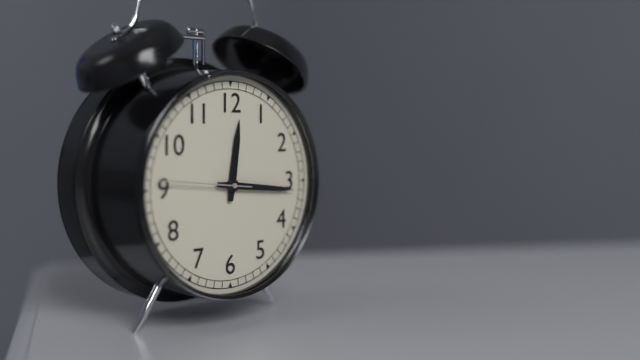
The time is **12:16:46**
